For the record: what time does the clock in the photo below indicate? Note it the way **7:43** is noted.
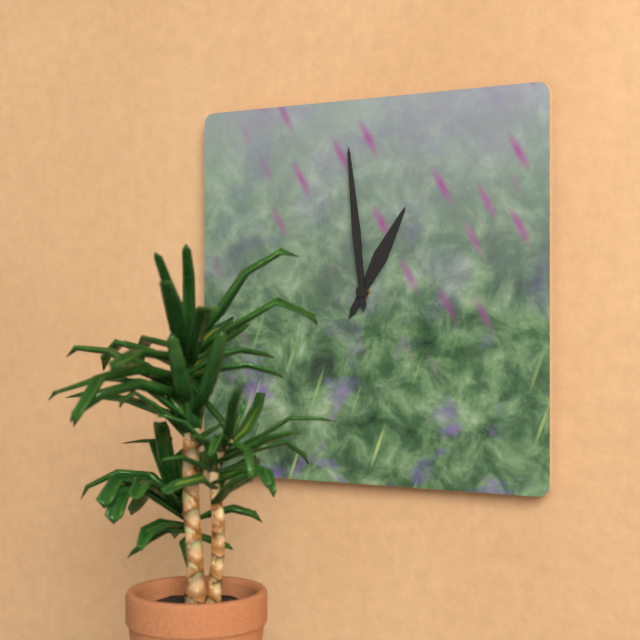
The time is **12:59**
